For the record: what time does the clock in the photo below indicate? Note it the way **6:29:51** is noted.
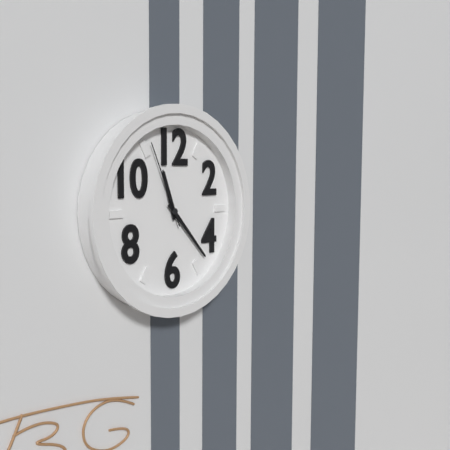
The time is **11:23:56**
